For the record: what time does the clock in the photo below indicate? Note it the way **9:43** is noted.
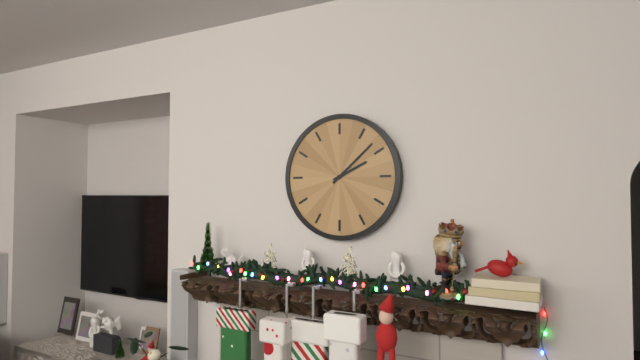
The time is **2:08**
